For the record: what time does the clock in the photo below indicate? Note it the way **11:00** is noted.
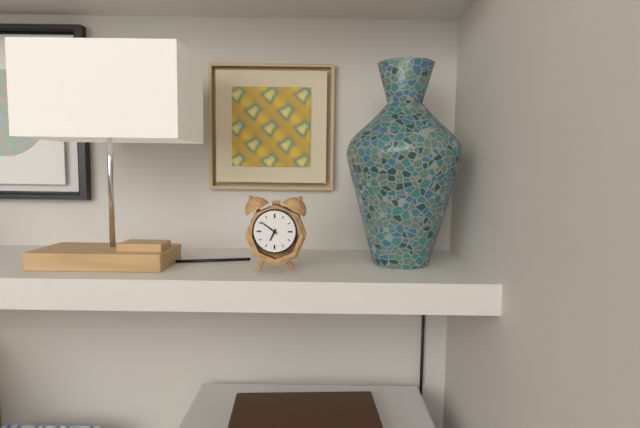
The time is **6:51**
